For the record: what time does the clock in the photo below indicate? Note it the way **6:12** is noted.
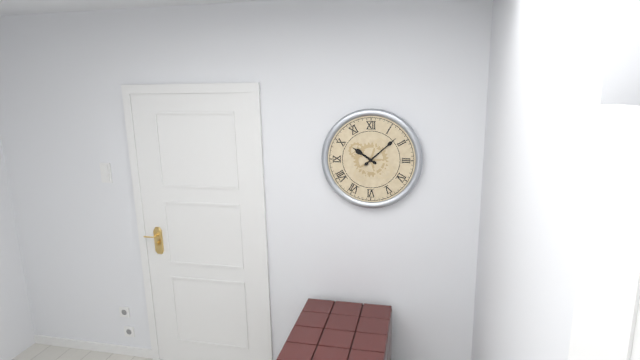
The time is **10:08**
